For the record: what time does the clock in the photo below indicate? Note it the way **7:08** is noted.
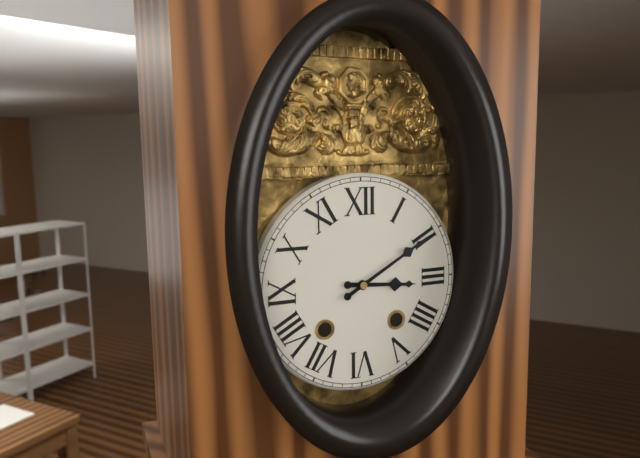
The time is **3:10**
